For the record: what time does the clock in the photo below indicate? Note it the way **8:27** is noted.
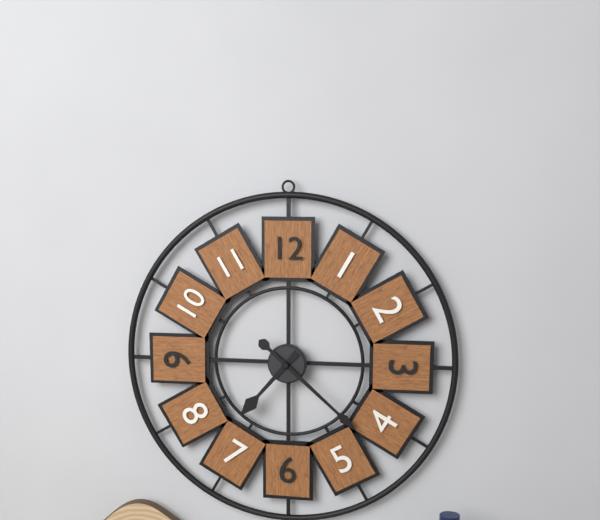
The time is **7:22**
